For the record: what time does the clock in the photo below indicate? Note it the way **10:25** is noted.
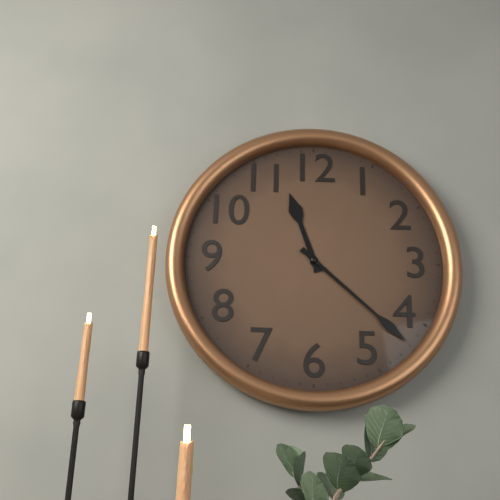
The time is **11:22**
